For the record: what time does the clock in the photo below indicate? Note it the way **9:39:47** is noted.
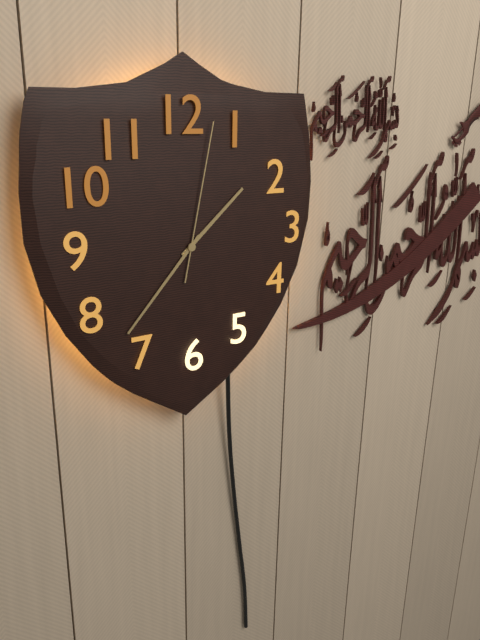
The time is **1:37:02**
